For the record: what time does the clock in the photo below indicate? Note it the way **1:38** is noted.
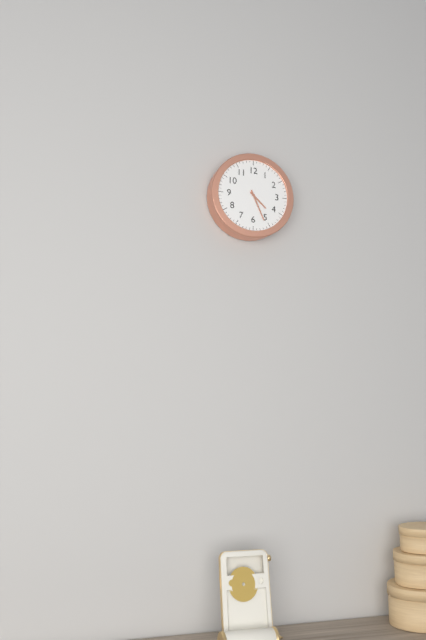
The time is **4:26**
